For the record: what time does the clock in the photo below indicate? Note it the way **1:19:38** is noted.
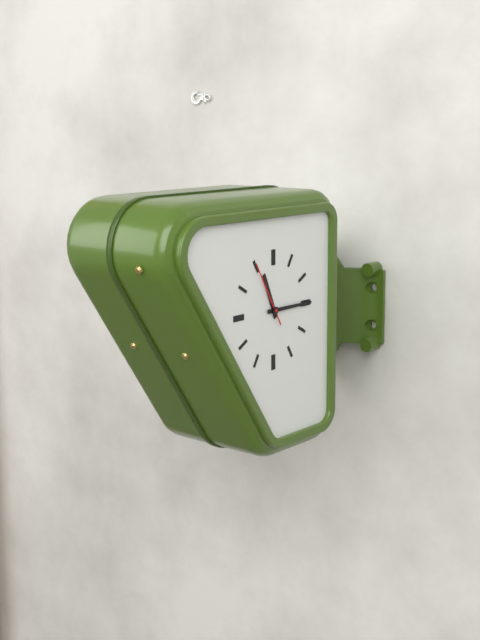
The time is **11:15:55**
